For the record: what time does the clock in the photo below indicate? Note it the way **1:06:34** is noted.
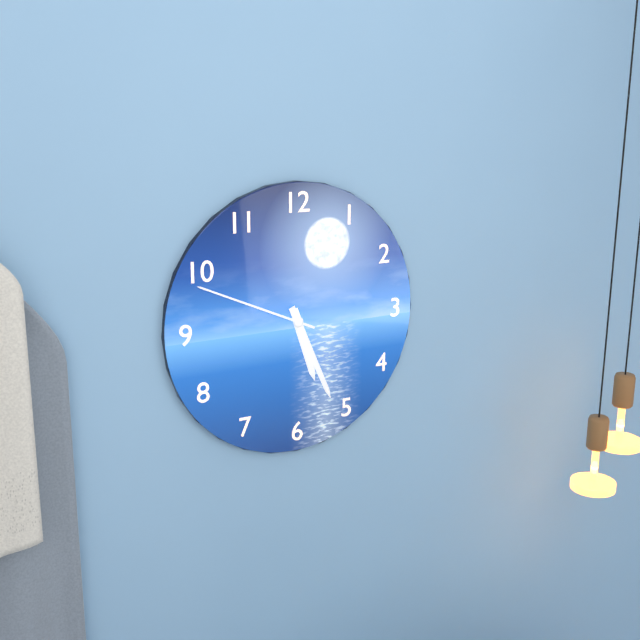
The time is **5:26:49**
